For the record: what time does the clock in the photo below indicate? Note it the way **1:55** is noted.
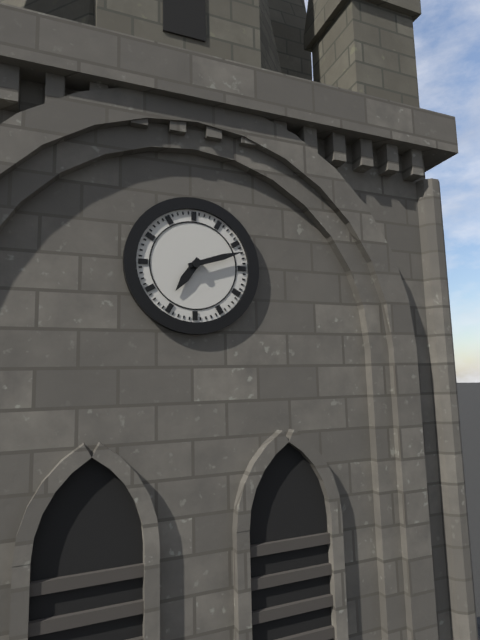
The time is **7:12**
